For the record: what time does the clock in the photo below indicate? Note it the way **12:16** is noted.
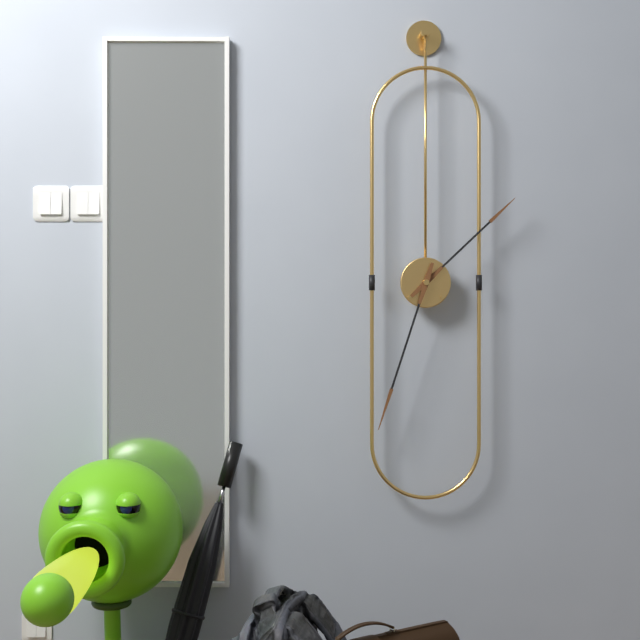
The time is **1:33**
